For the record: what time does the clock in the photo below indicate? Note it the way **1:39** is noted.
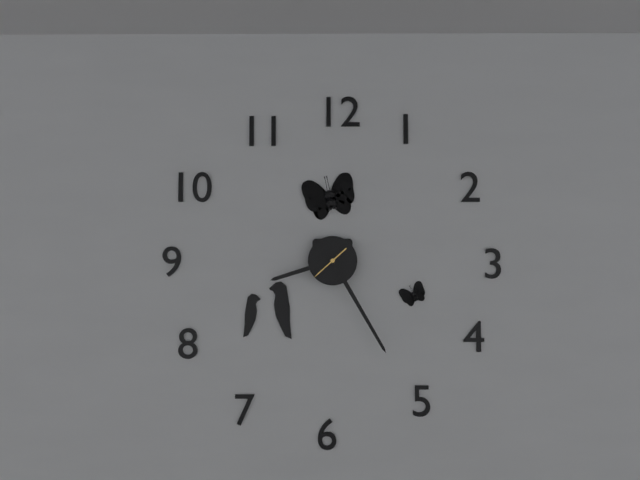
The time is **8:25**
